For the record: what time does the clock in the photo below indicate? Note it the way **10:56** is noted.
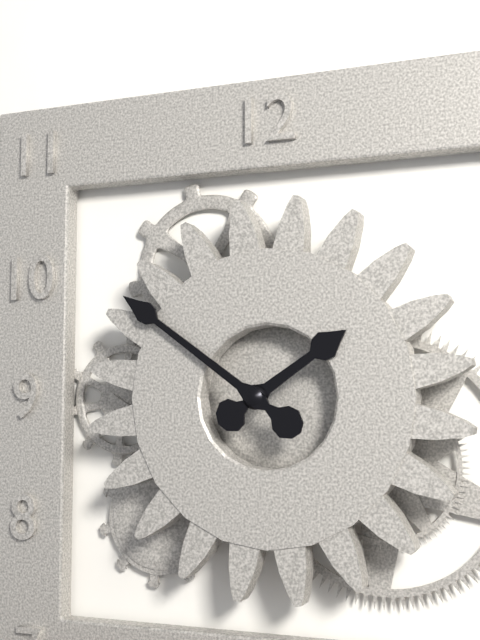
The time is **1:51**
